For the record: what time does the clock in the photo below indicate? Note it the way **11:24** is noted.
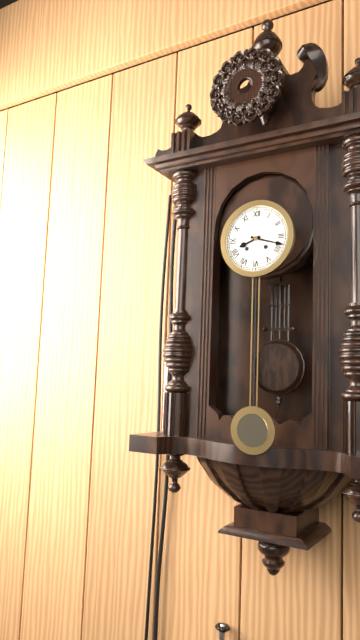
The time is **8:18**
